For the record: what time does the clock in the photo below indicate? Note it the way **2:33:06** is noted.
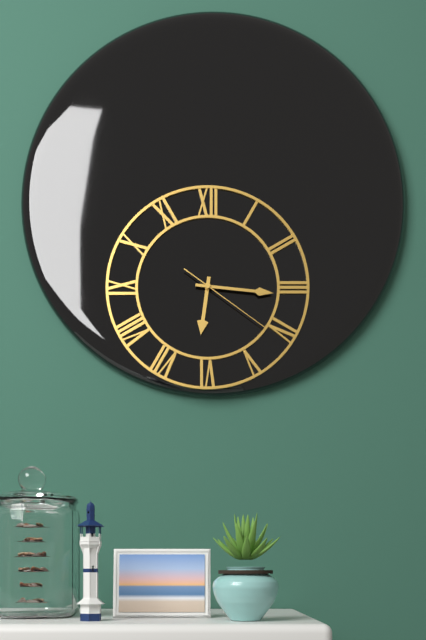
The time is **6:16:21**
